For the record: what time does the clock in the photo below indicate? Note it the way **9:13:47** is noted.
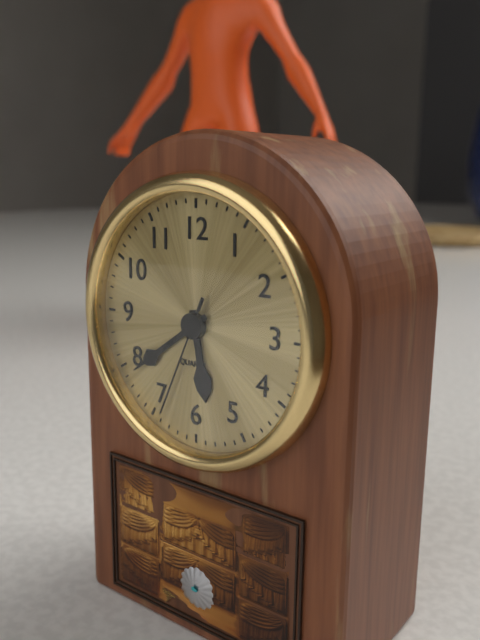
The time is **5:39:34**
